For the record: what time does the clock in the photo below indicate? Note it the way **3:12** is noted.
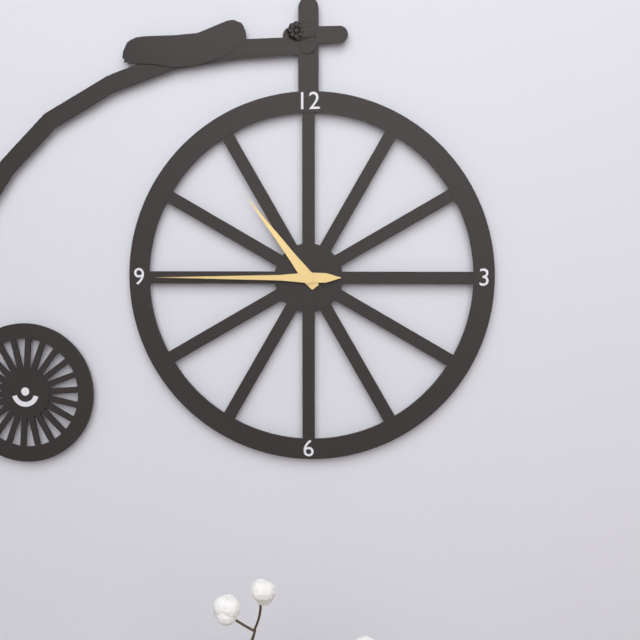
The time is **10:45**
